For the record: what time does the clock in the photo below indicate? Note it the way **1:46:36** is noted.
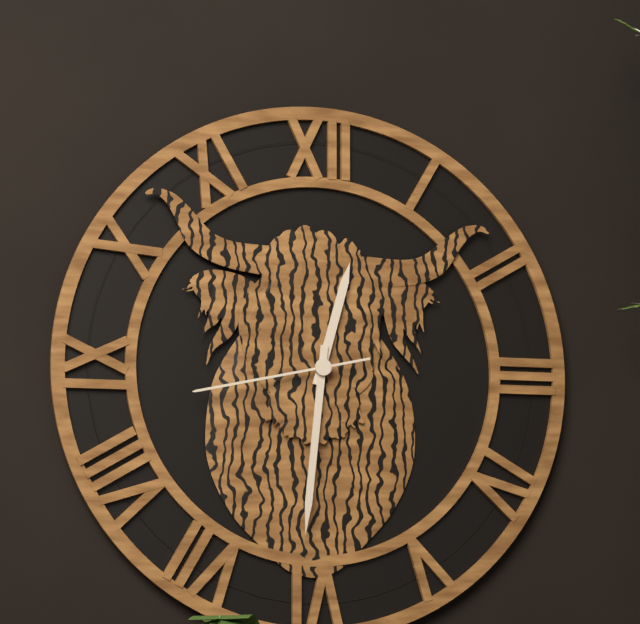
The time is **12:31:43**
